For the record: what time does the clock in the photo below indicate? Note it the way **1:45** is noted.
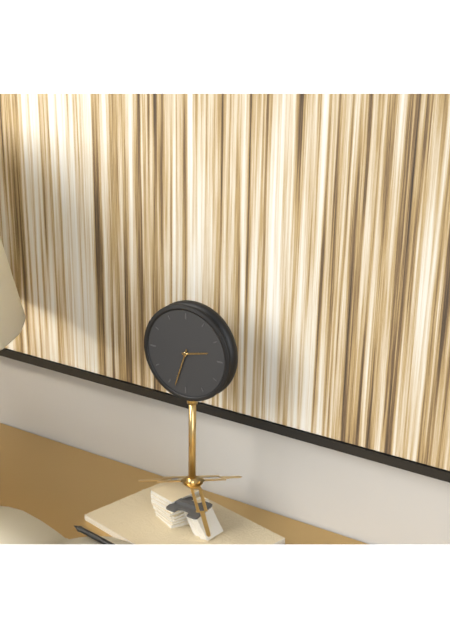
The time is **2:33**
